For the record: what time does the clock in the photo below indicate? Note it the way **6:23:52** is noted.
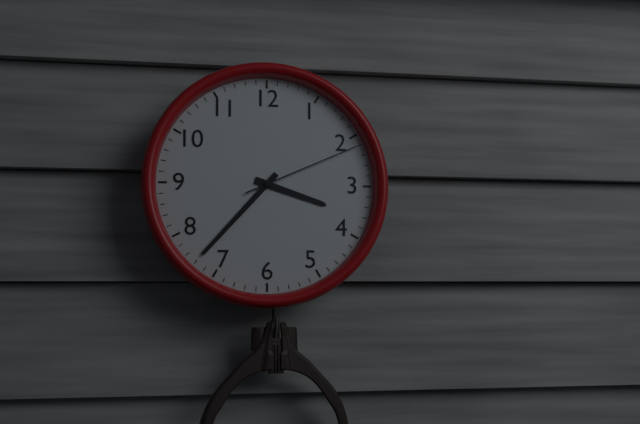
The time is **3:37:11**
